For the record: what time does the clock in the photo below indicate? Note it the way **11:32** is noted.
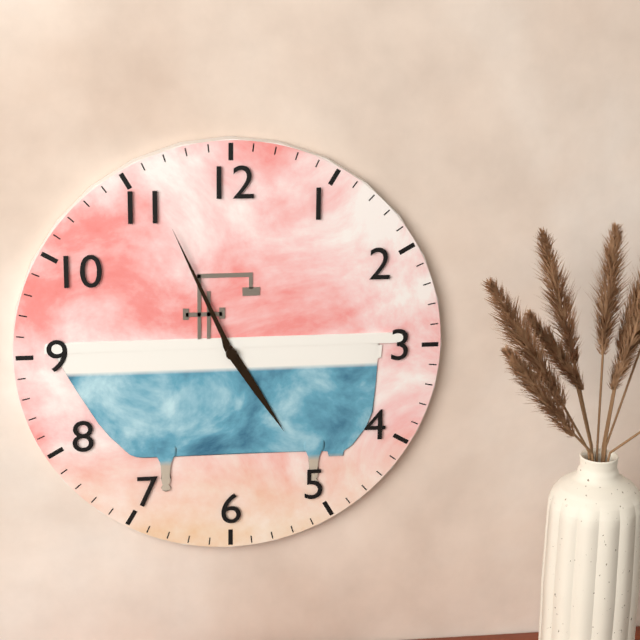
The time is **4:56**
